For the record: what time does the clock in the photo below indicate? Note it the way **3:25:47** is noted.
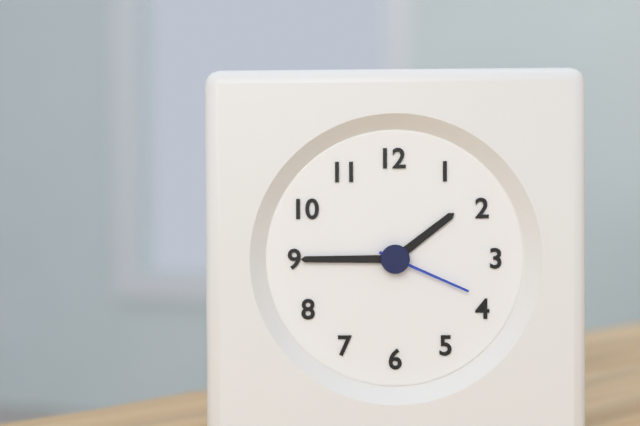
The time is **1:45:19**
